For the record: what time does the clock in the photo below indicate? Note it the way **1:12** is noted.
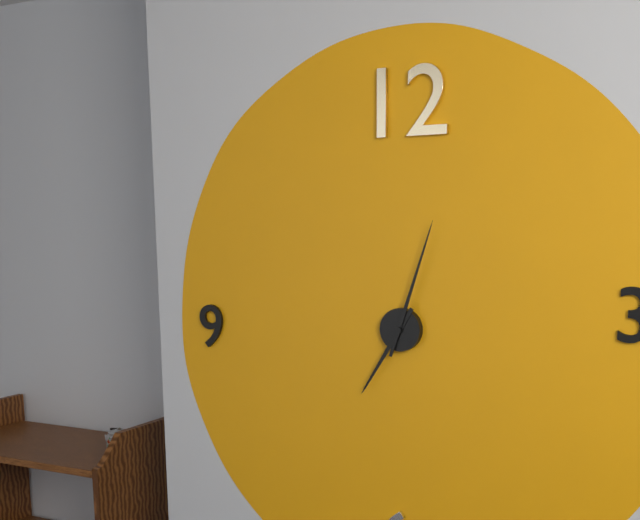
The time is **7:03**
